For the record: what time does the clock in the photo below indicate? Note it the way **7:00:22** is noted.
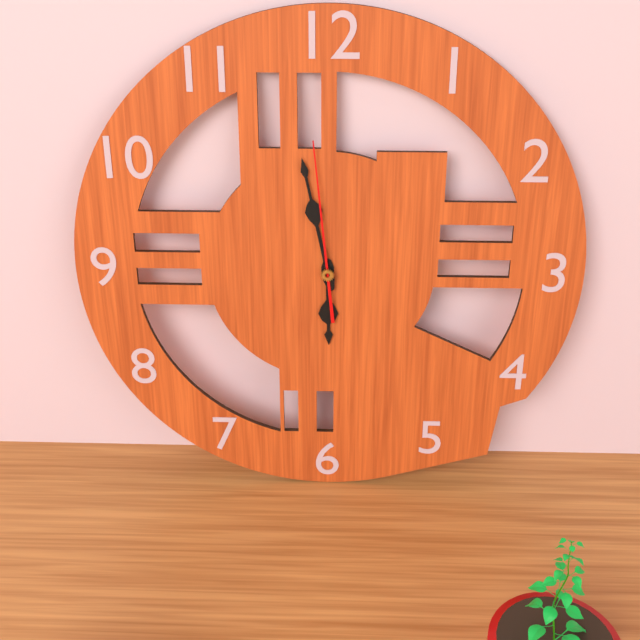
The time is **5:58:59**
